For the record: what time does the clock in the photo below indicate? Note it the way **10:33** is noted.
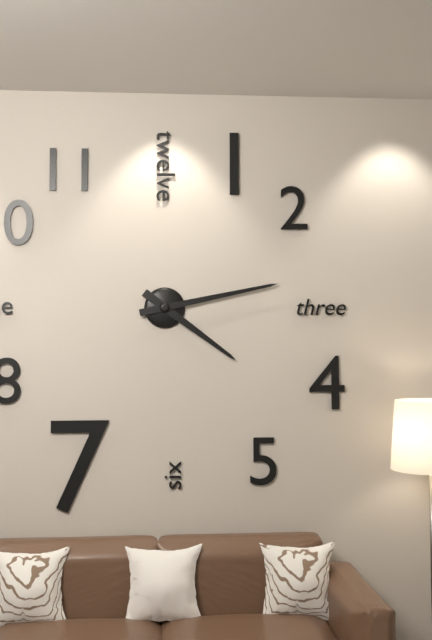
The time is **4:13**
